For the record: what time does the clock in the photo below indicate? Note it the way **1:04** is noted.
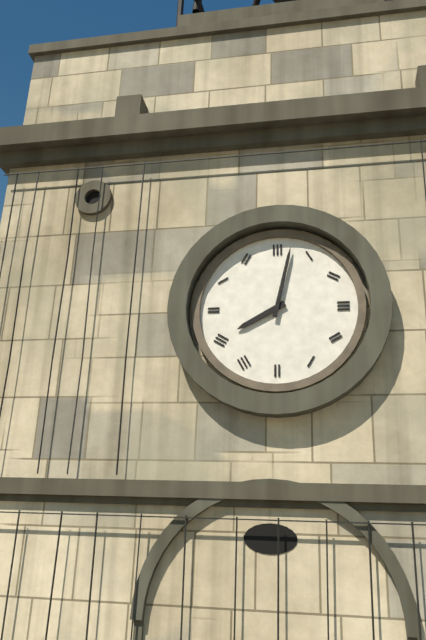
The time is **8:02**
